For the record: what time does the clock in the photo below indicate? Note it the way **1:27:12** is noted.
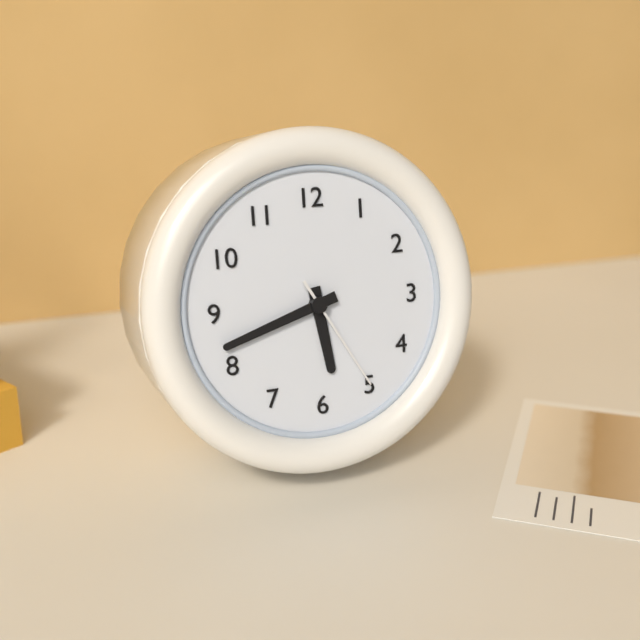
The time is **5:42:25**
